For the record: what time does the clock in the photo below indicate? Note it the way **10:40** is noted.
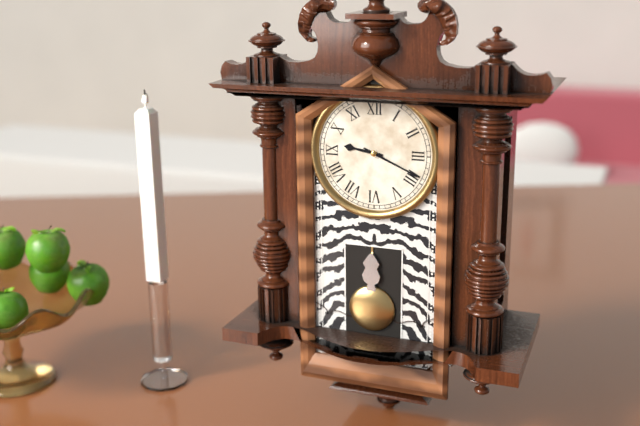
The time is **9:19**
